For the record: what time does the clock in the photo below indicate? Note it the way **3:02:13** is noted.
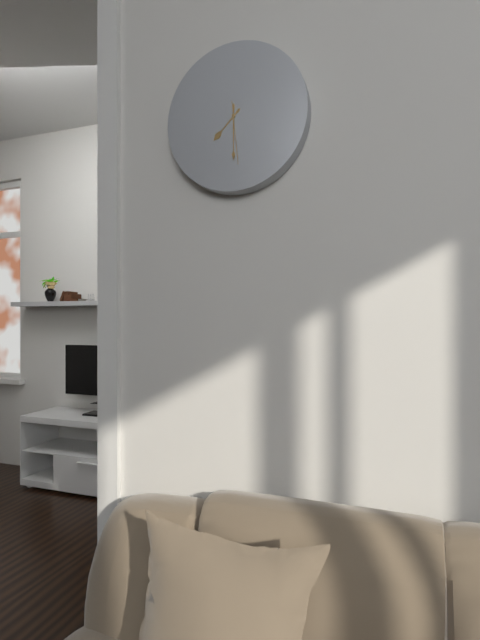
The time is **7:30:29**
